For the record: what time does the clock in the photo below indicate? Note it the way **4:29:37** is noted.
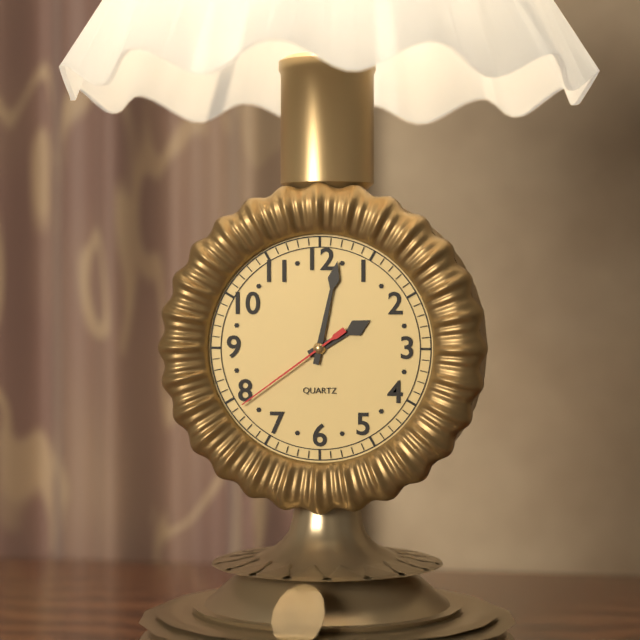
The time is **2:02:39**
